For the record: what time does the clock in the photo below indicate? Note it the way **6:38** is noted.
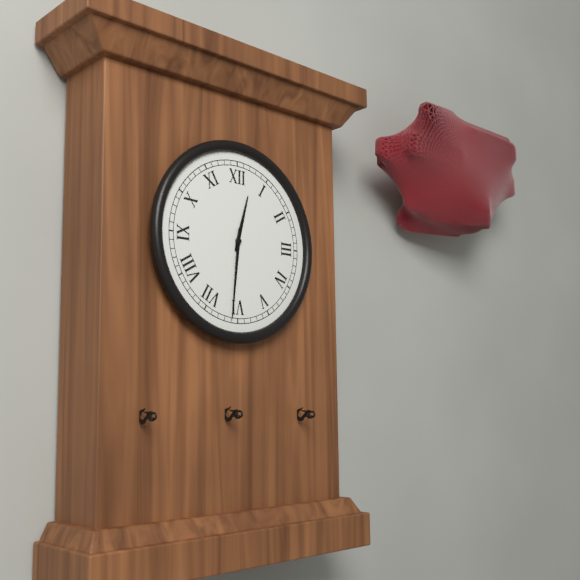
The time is **12:31**
